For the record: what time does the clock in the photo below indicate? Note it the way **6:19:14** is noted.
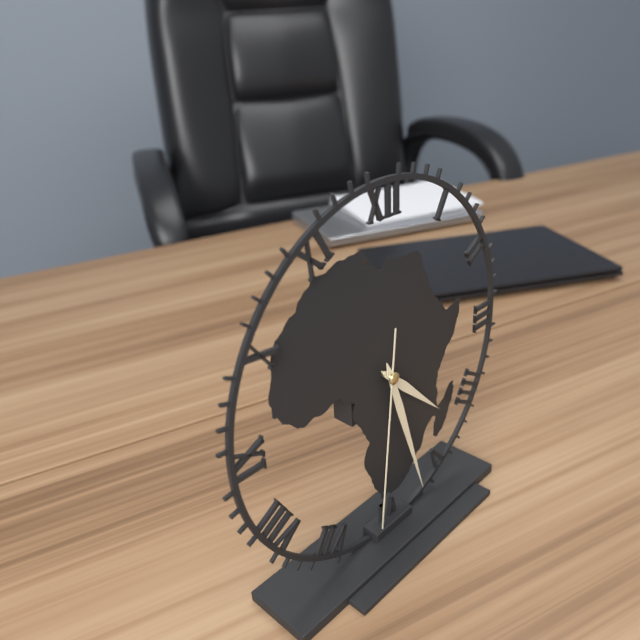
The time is **4:27:31**
